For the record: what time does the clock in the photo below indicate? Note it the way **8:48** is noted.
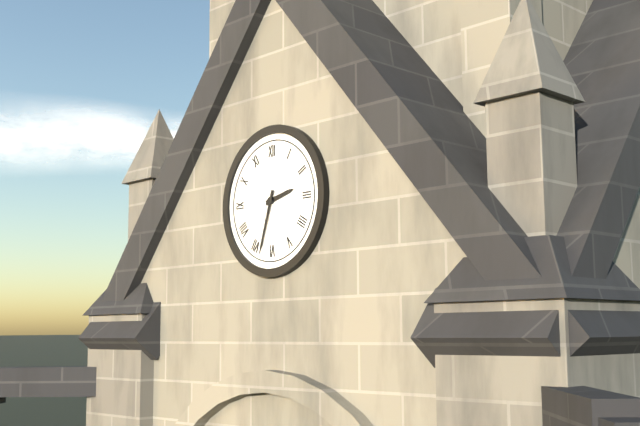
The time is **2:33**
